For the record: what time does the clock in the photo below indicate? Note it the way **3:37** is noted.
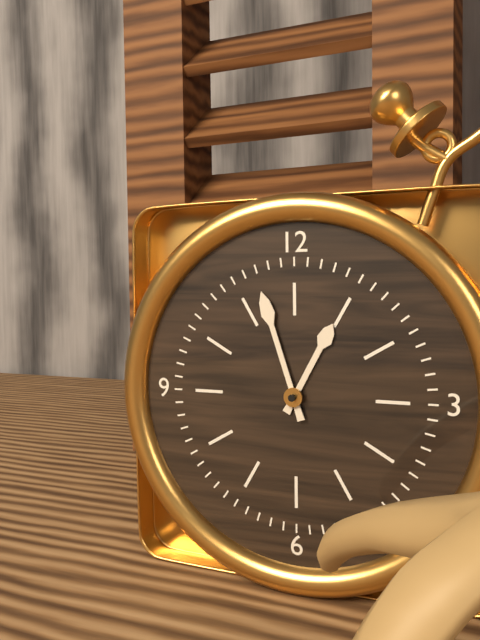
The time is **12:57**
